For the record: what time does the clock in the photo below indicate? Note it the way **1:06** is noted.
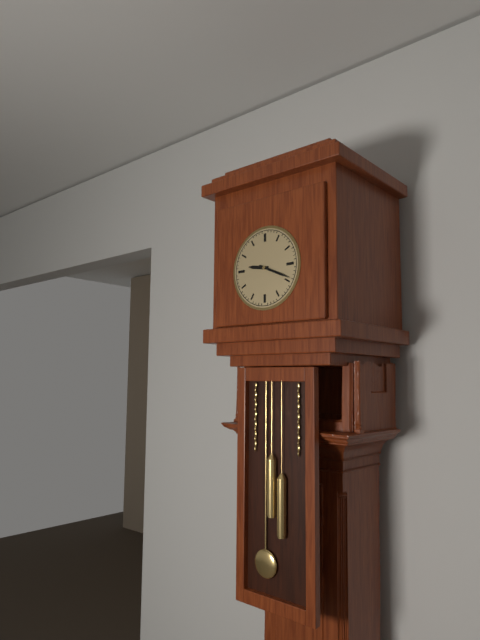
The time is **9:19**
